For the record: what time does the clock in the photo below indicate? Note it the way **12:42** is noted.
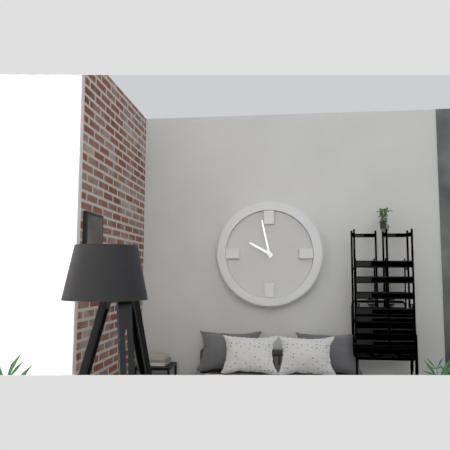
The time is **9:58**
